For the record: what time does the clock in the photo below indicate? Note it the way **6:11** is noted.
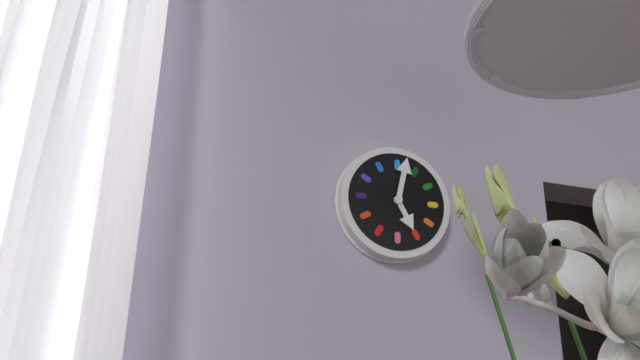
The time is **5:02**
